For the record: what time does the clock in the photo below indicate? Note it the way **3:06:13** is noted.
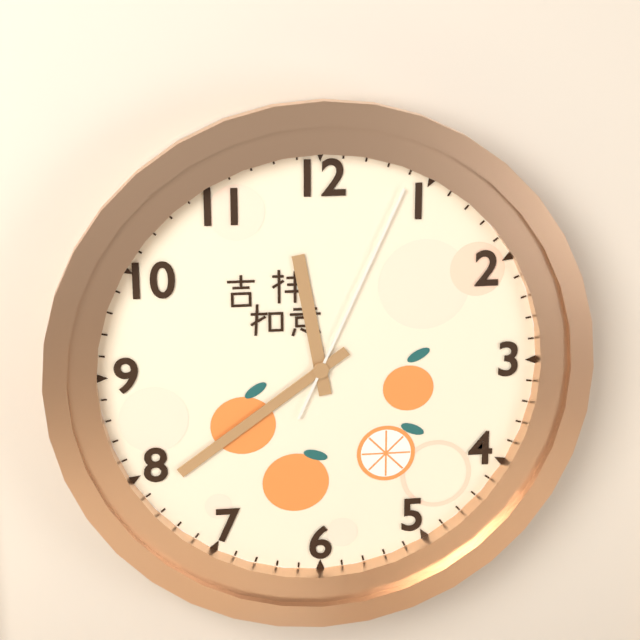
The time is **11:39:04**
